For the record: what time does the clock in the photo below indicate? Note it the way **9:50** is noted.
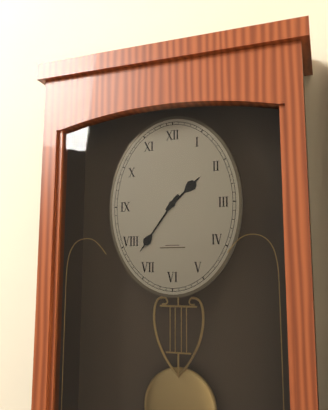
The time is **1:36**
